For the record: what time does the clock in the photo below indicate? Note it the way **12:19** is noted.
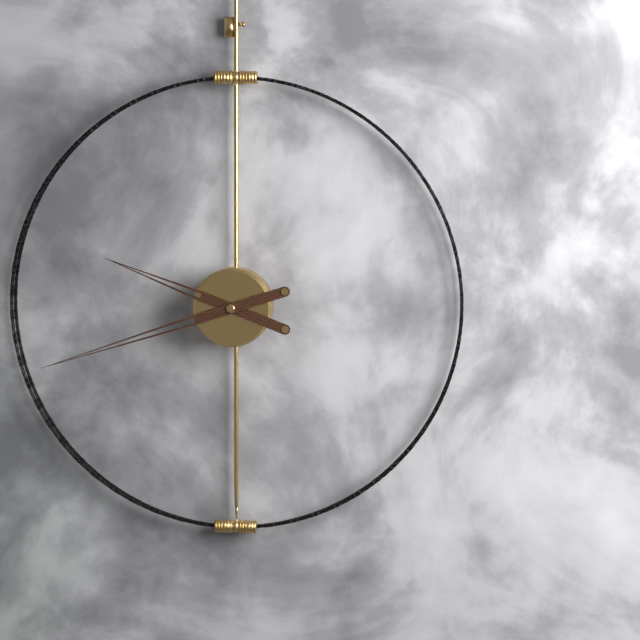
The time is **9:42**
